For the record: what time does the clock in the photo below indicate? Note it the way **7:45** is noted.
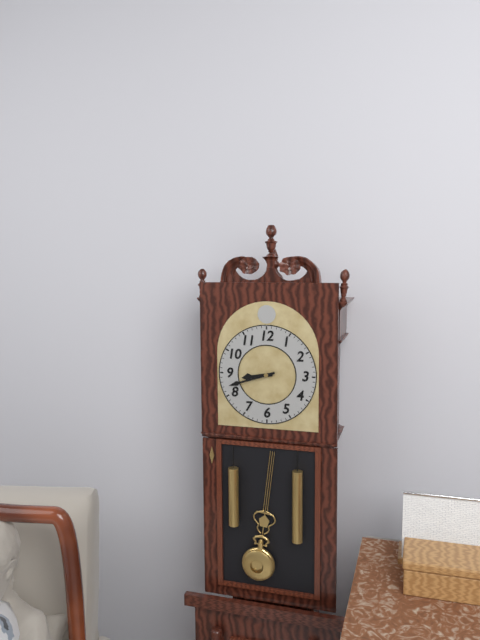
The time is **8:42**
